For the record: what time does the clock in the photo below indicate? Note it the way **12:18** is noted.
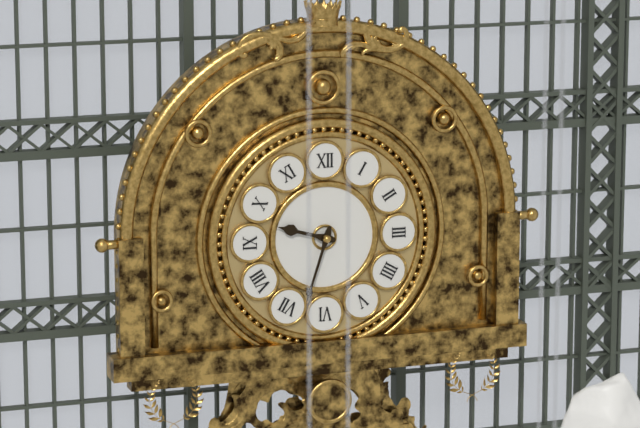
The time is **9:33**
